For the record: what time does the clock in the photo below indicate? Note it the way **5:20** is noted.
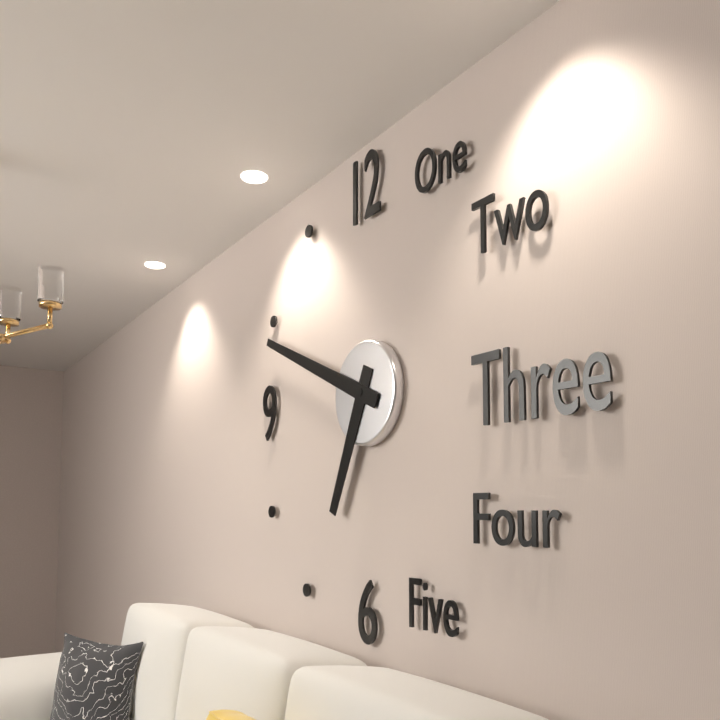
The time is **6:49**
